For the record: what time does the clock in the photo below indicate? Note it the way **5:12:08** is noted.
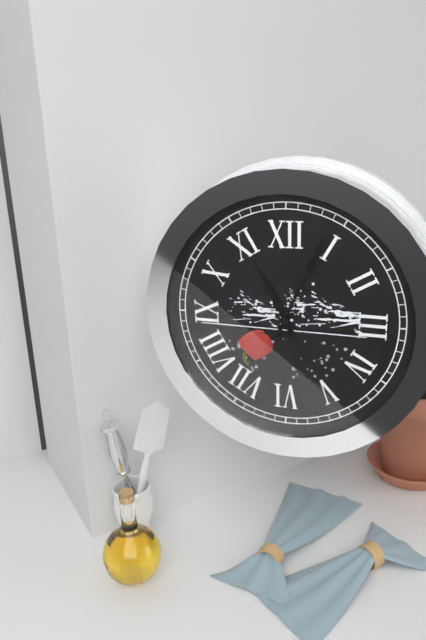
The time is **11:04:26**
